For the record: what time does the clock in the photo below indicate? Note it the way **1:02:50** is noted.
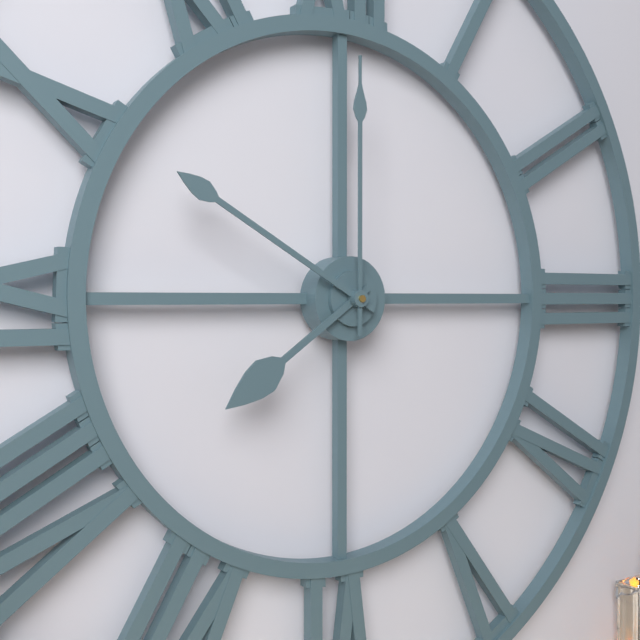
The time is **7:50:00**
